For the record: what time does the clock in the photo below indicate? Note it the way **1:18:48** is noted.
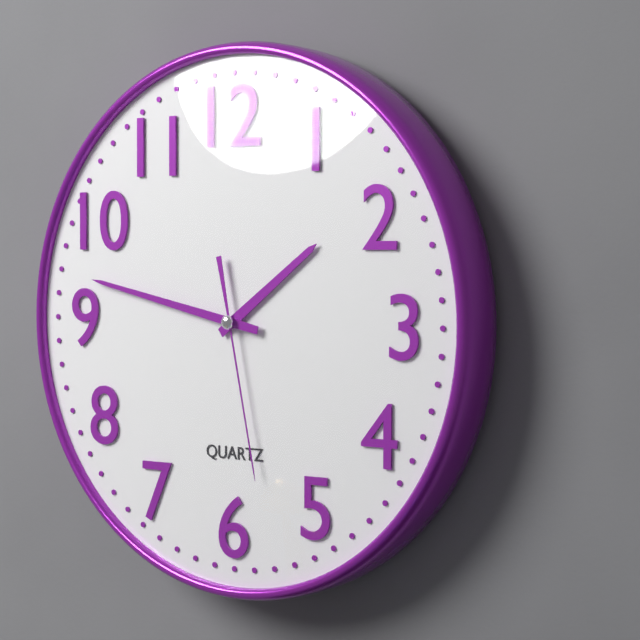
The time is **1:47:28**
